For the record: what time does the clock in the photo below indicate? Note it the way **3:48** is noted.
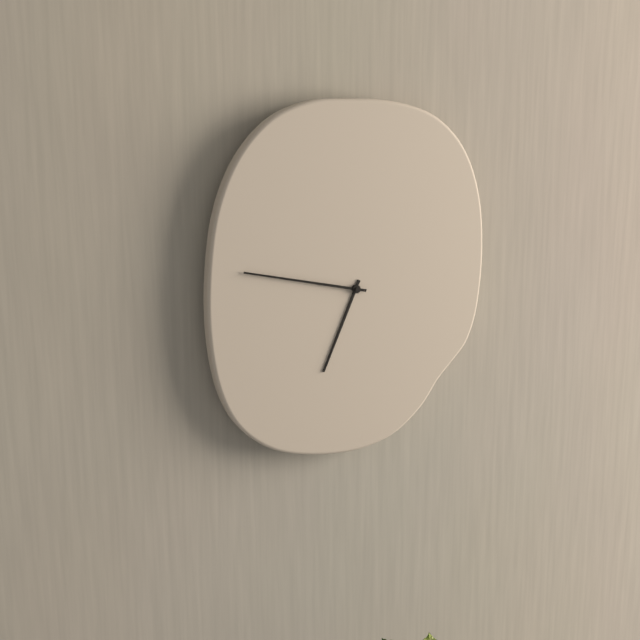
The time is **6:47**
